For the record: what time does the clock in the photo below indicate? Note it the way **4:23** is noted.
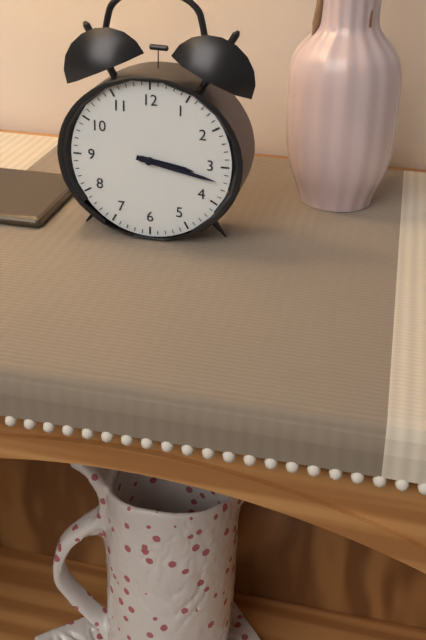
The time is **3:17**
